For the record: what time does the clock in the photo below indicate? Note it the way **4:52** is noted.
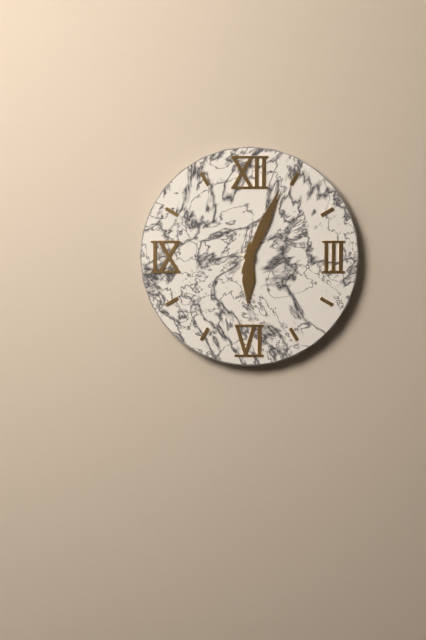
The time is **6:04**
